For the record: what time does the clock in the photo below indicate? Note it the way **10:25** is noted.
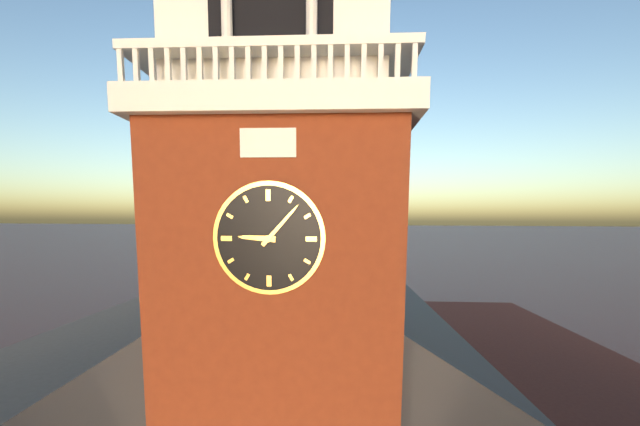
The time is **9:07**
